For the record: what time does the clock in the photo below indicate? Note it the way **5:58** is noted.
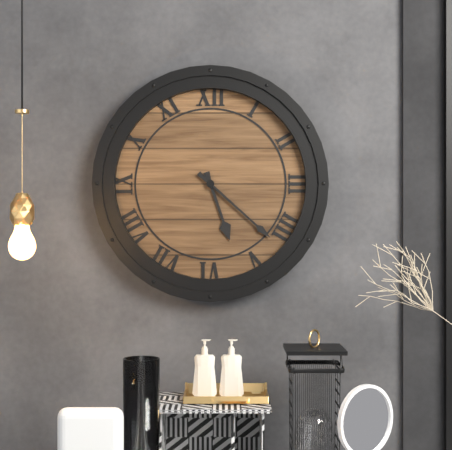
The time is **5:22**
